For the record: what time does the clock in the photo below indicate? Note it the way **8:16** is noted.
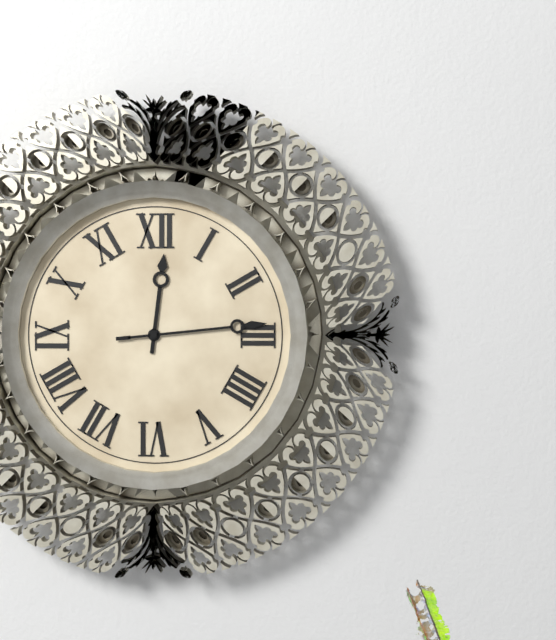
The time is **12:14**
